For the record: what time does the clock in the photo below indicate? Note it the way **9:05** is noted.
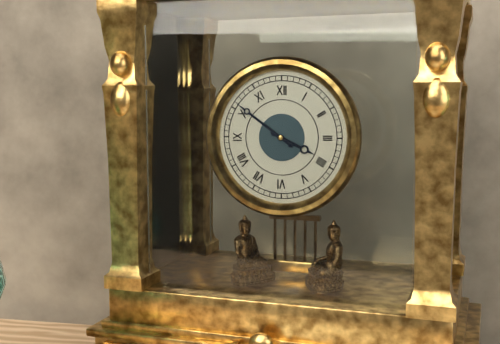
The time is **3:51**
